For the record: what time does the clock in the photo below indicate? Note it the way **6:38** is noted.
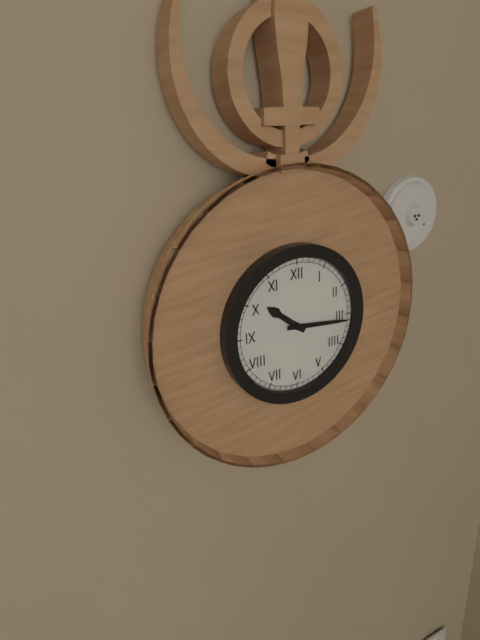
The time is **10:16**
